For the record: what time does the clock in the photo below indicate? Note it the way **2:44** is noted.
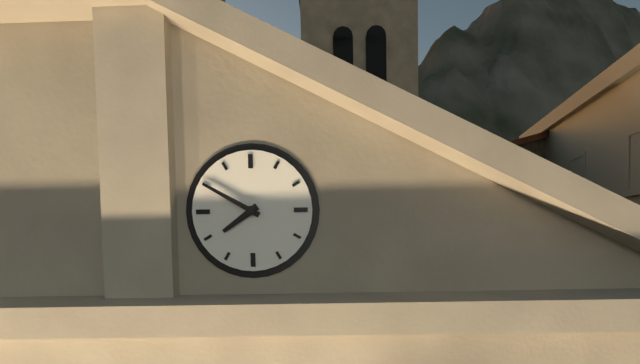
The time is **7:50**
